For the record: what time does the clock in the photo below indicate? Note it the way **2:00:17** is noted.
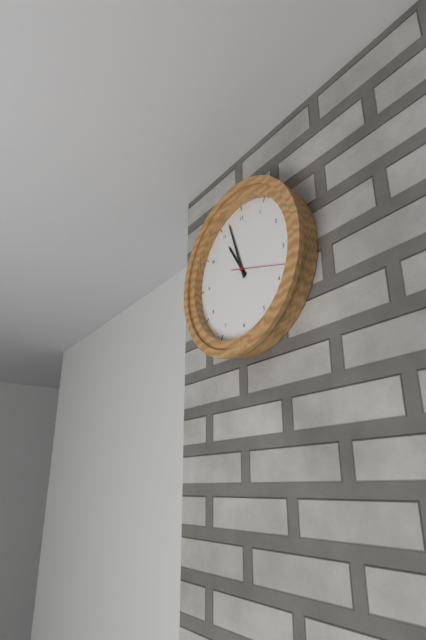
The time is **10:57:18**
